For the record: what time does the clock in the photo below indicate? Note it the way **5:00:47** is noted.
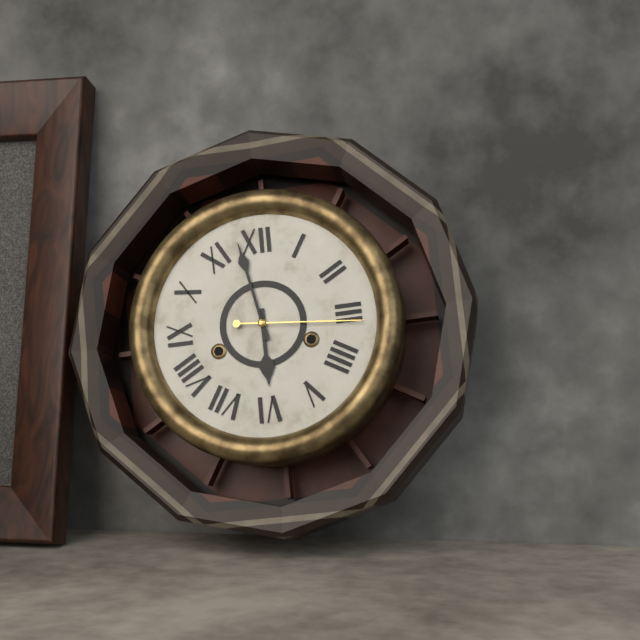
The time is **5:58:16**
